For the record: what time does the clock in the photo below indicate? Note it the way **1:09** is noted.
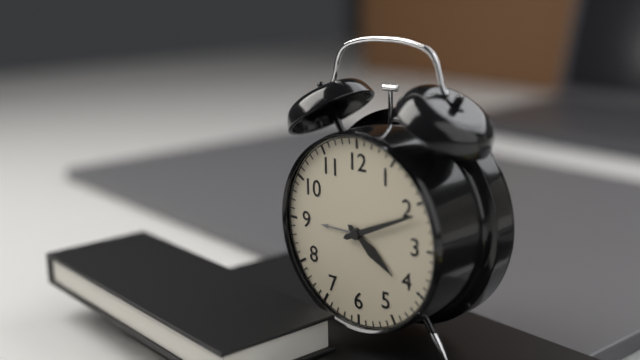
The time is **4:11**
